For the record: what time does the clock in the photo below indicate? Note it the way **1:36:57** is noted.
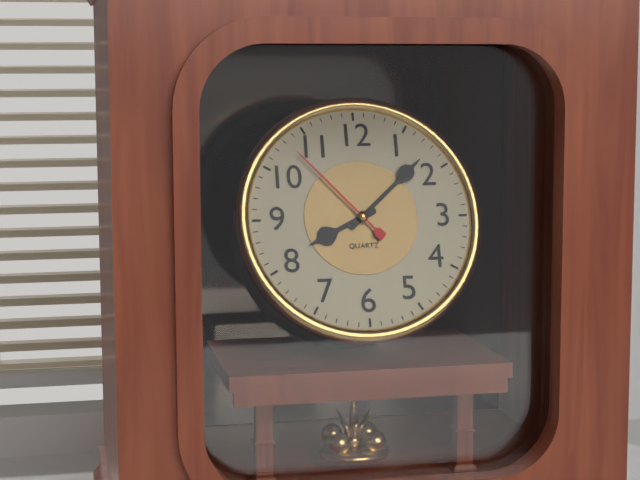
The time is **8:08:53**
